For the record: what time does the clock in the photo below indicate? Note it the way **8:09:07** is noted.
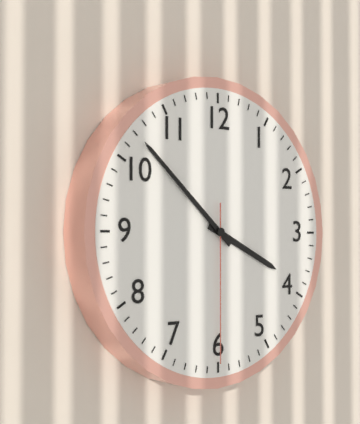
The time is **3:52:30**
